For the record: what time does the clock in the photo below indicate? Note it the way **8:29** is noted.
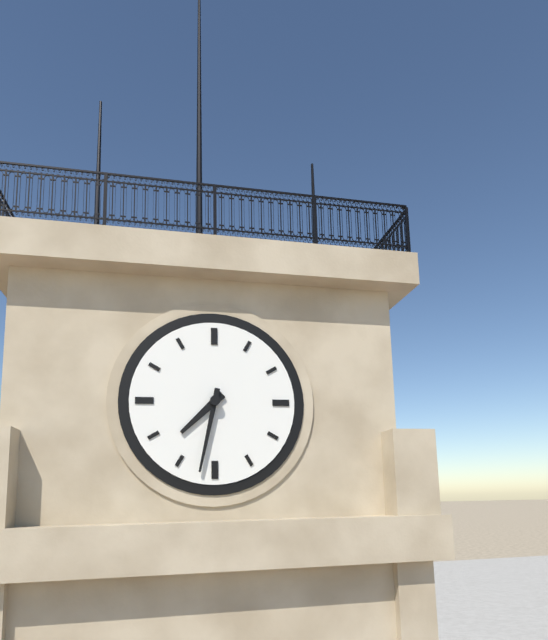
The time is **7:32**
